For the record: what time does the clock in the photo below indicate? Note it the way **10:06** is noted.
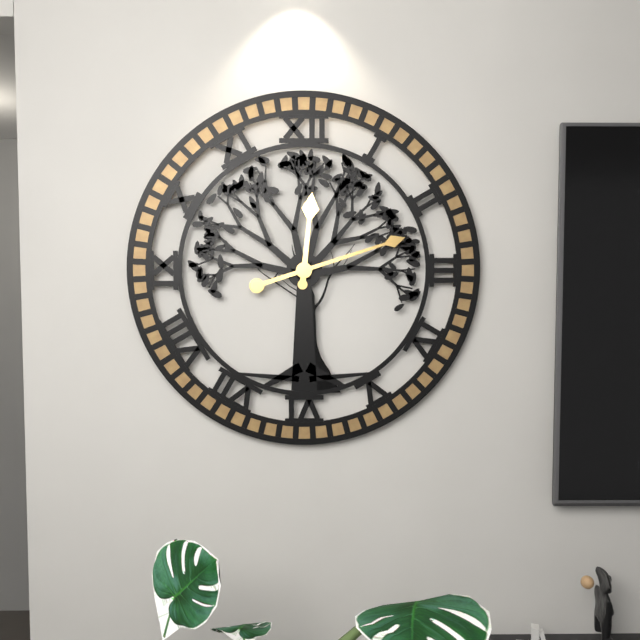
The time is **12:12**
